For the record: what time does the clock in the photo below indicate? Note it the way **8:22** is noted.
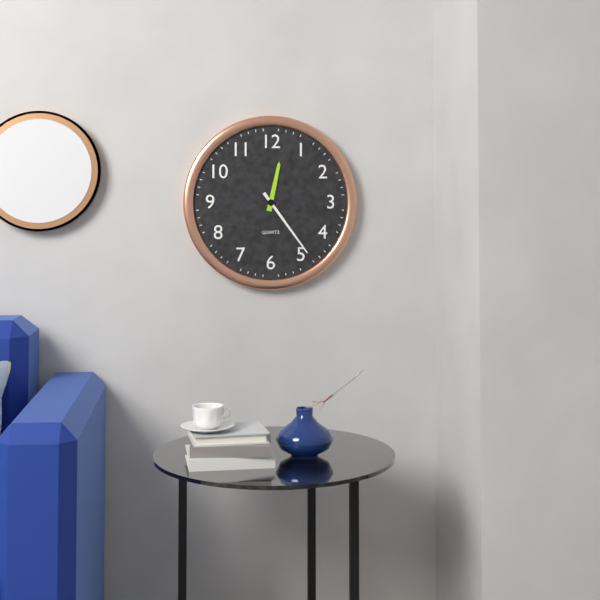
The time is **12:24**
